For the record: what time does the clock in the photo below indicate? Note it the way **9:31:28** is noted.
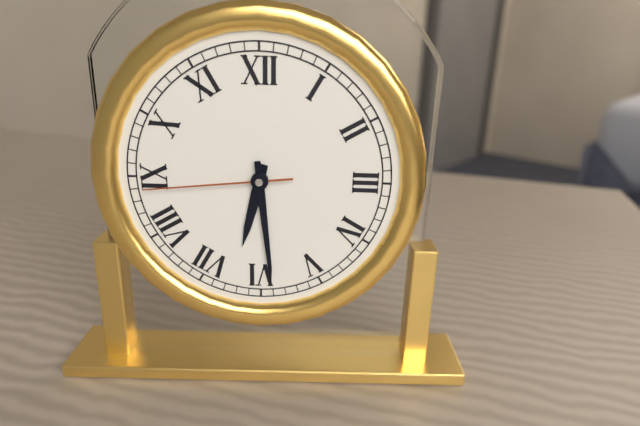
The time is **6:29:44**
